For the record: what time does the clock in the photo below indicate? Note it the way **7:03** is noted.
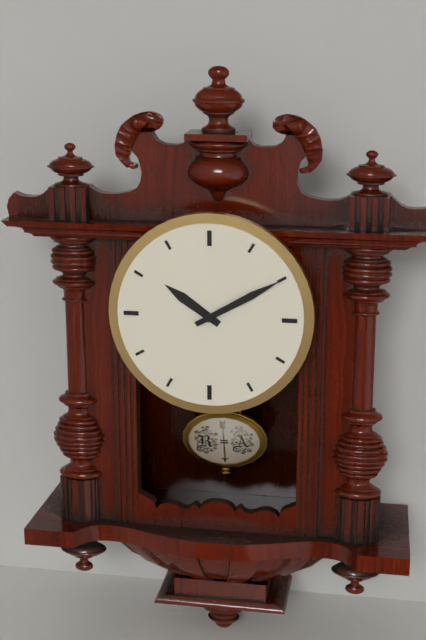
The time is **10:10**
